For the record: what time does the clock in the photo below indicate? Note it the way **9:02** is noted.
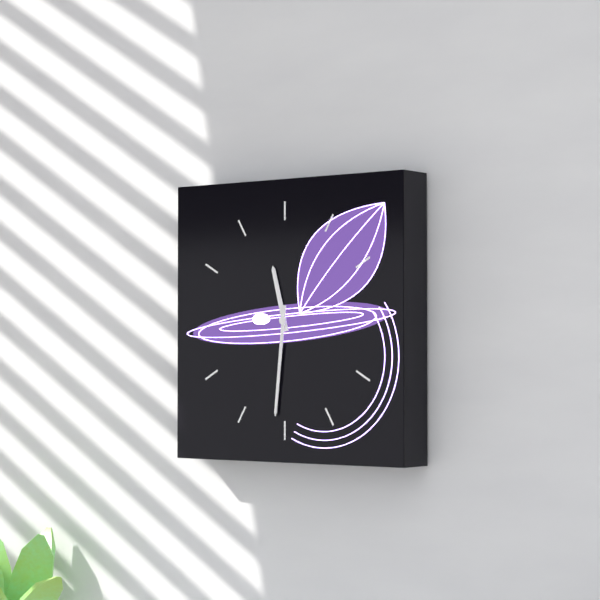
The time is **11:31**
